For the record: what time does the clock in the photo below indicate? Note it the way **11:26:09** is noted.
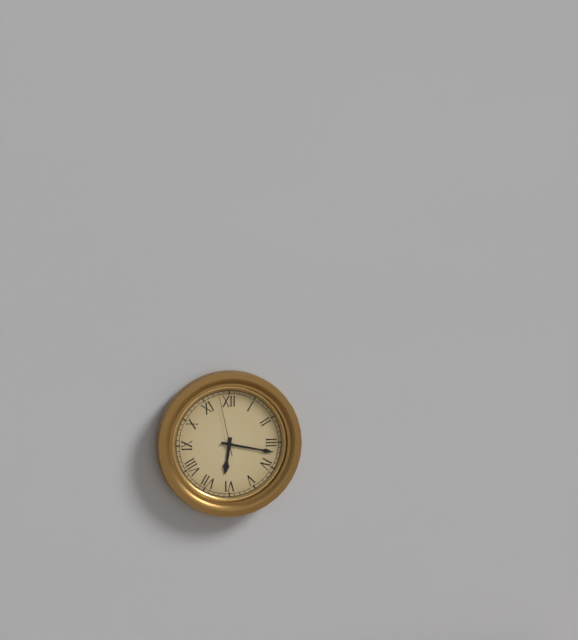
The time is **6:17:58**
